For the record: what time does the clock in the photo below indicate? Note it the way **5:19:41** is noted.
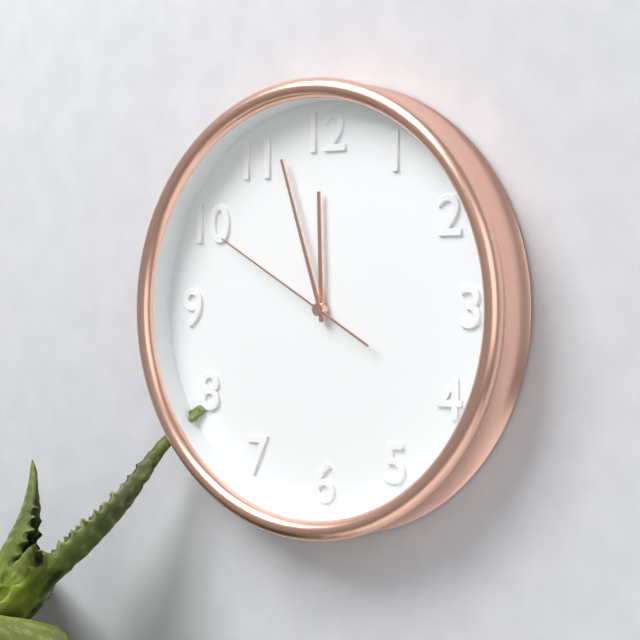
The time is **11:57:50**
